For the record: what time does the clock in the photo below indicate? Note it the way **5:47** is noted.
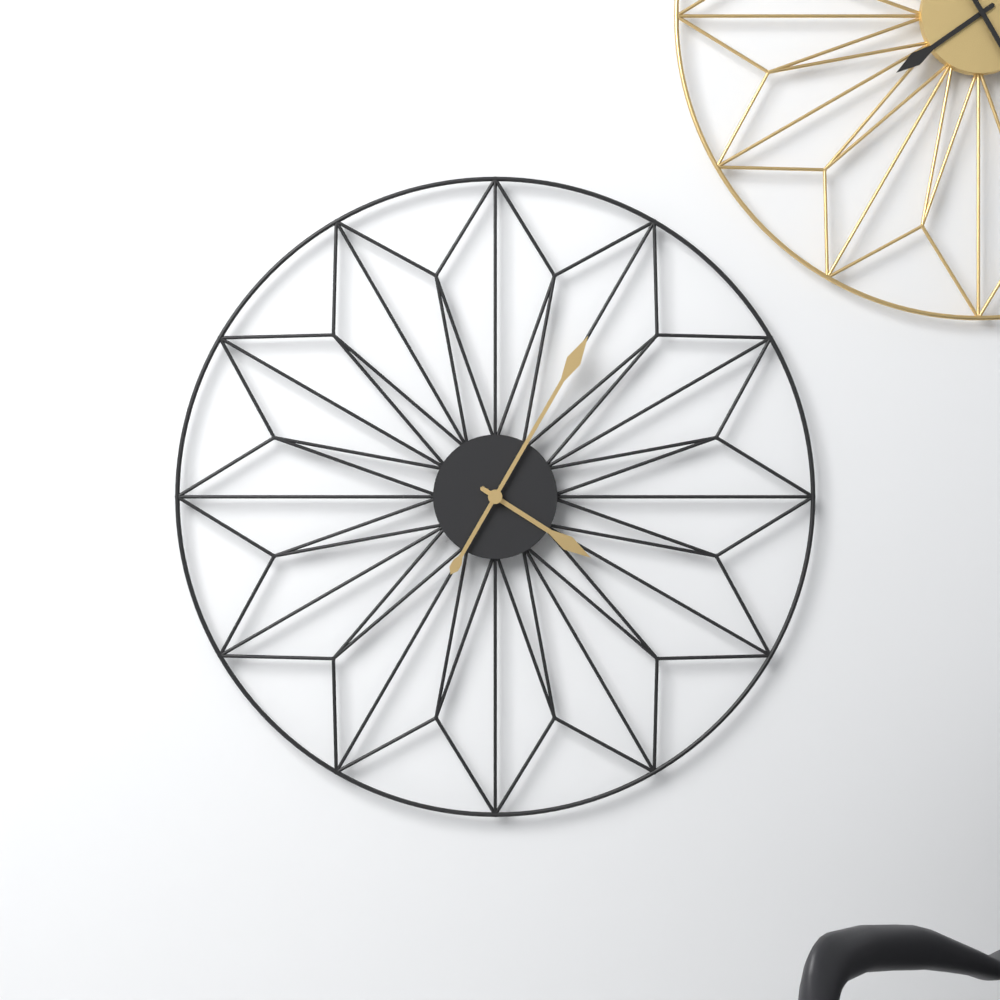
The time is **4:05**
